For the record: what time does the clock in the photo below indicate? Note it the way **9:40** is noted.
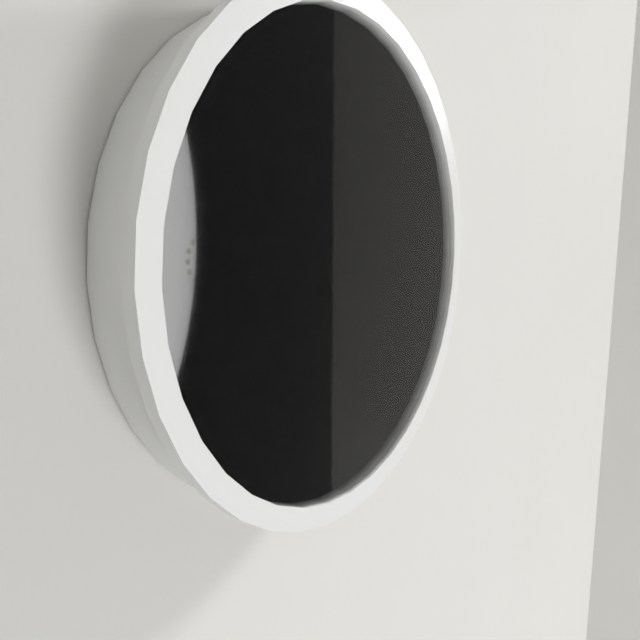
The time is **7:46**
